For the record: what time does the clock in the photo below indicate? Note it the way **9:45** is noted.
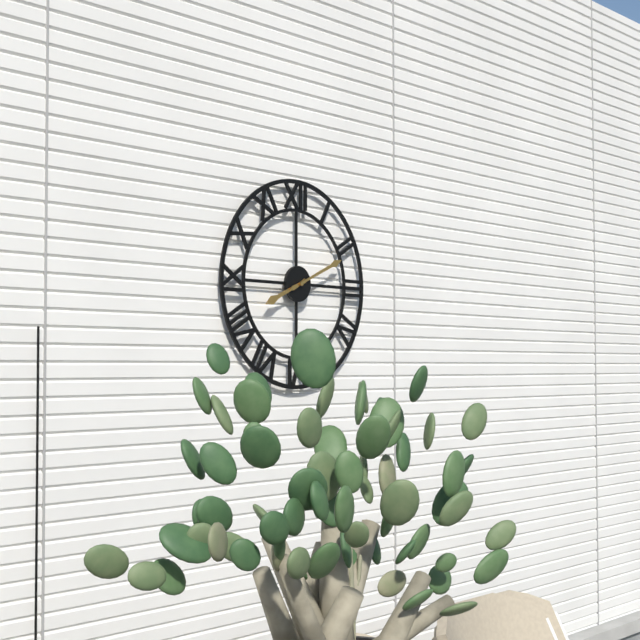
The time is **8:11**
